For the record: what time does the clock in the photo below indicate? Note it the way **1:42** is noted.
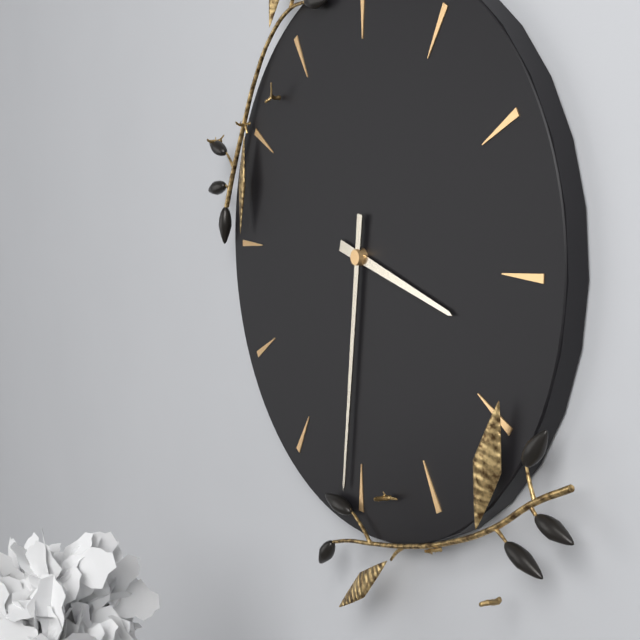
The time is **3:31**
